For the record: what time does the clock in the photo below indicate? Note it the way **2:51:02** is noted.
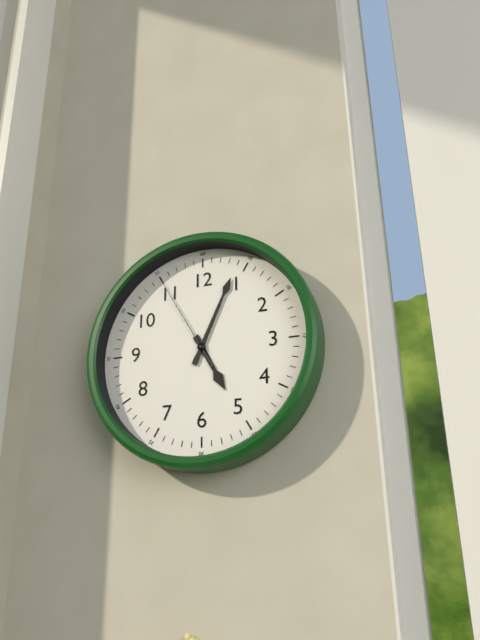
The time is **5:04:55**
